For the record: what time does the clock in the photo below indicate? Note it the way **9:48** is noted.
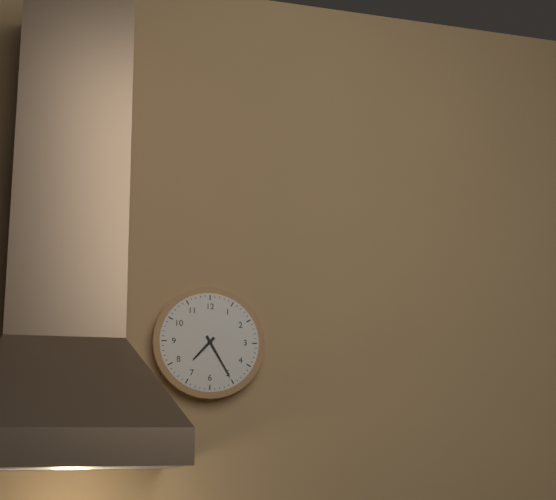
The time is **7:25**
